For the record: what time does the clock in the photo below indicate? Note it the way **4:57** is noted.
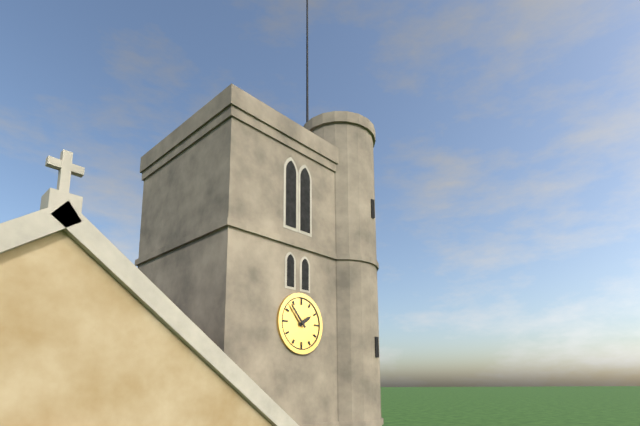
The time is **1:53**
